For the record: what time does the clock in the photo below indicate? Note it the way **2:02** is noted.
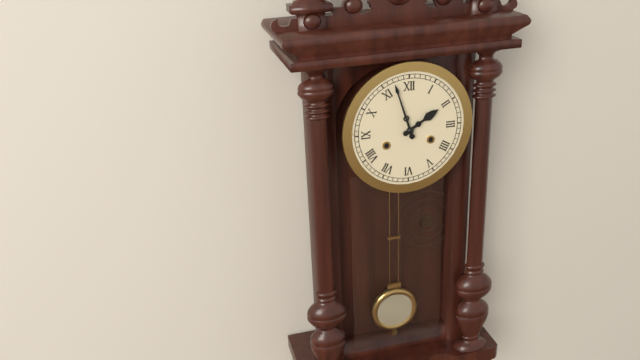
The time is **1:57**
